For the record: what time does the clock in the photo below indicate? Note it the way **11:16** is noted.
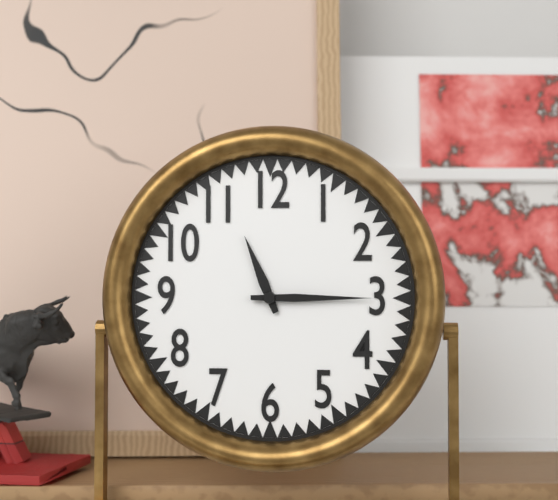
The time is **11:15**
